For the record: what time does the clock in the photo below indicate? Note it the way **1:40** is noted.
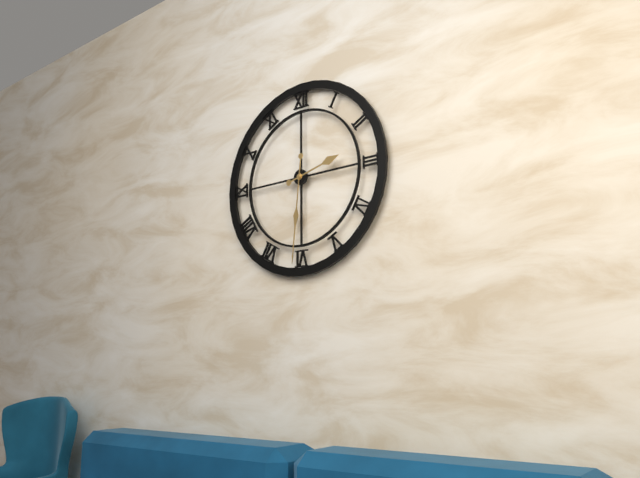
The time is **2:31**
